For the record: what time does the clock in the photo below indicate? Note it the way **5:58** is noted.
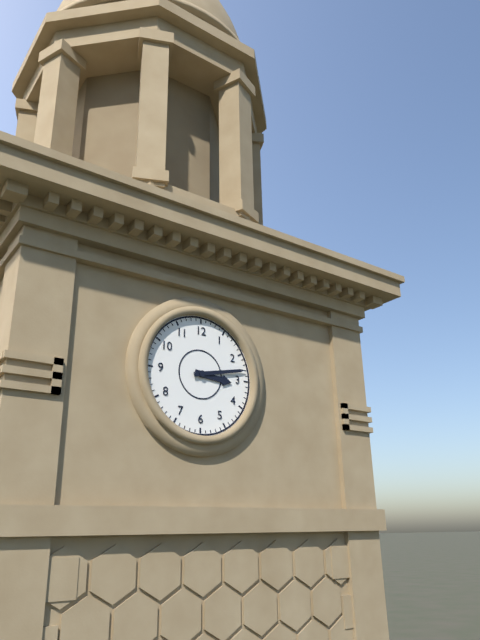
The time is **3:13**
